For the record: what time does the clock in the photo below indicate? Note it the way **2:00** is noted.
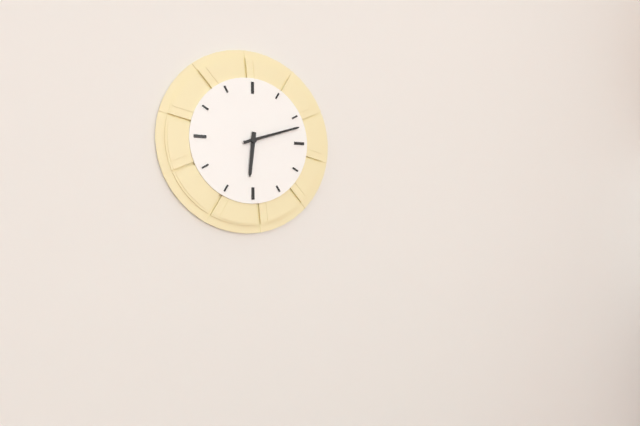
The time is **6:12**
